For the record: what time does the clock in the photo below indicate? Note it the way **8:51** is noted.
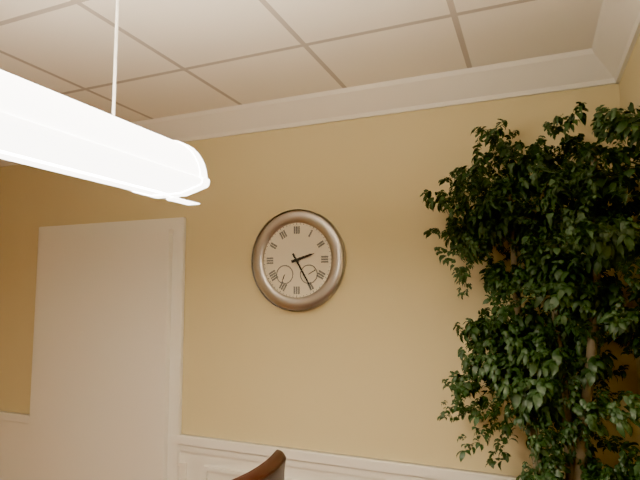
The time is **2:25**
